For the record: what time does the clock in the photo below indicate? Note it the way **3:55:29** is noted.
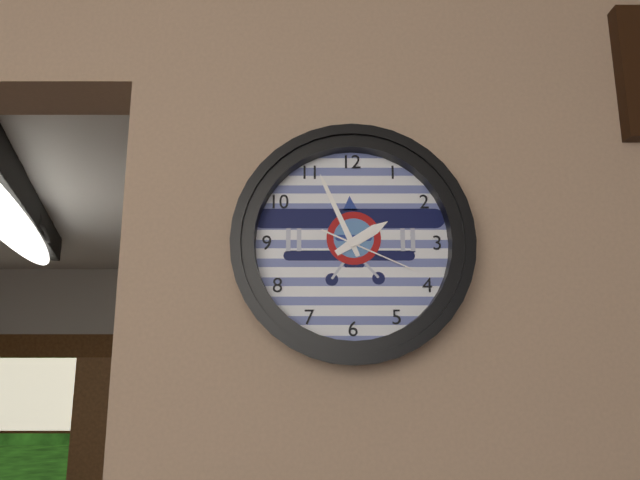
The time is **1:56:19**
